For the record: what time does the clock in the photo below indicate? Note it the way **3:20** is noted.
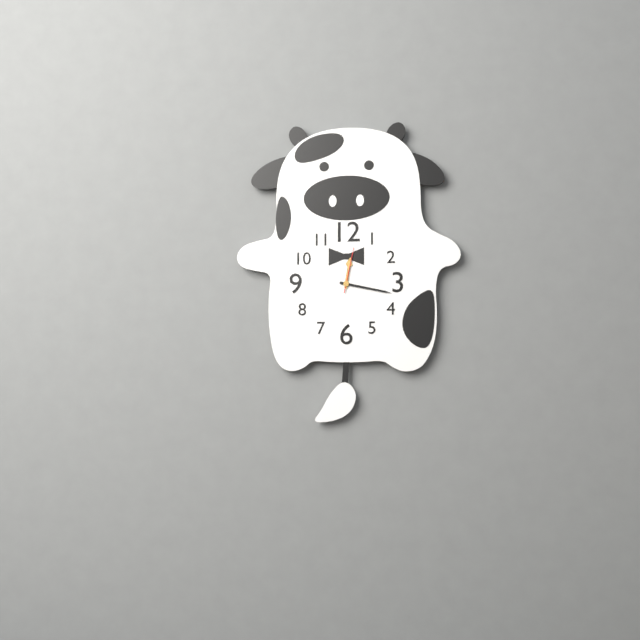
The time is **12:17**
